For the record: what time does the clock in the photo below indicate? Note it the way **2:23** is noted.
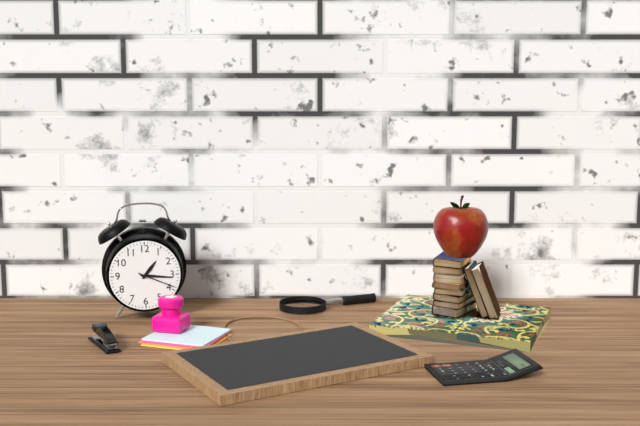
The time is **1:16**
